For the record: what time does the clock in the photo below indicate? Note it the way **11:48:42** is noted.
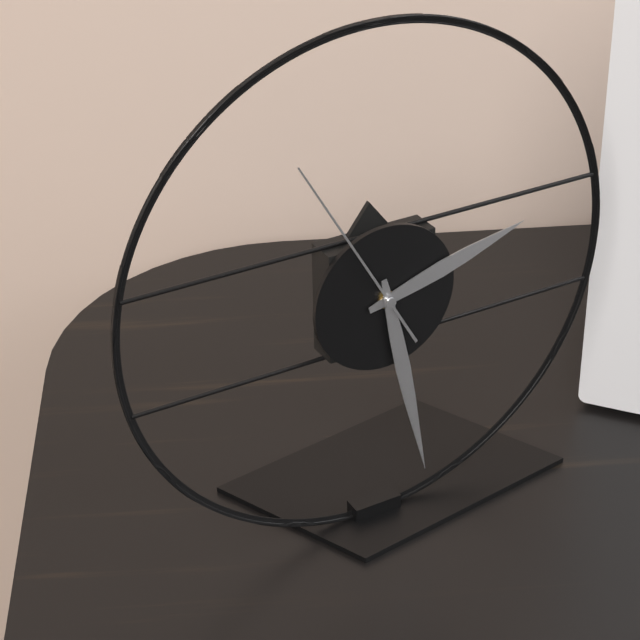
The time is **2:28:55**
